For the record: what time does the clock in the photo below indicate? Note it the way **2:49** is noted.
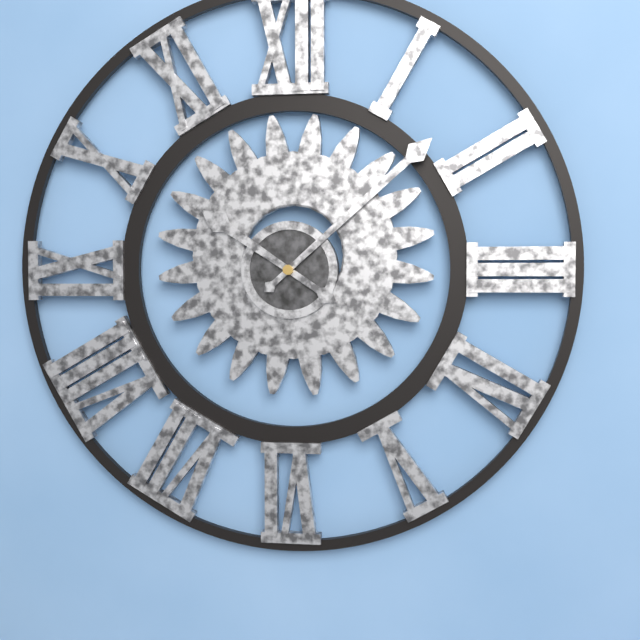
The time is **10:08**
